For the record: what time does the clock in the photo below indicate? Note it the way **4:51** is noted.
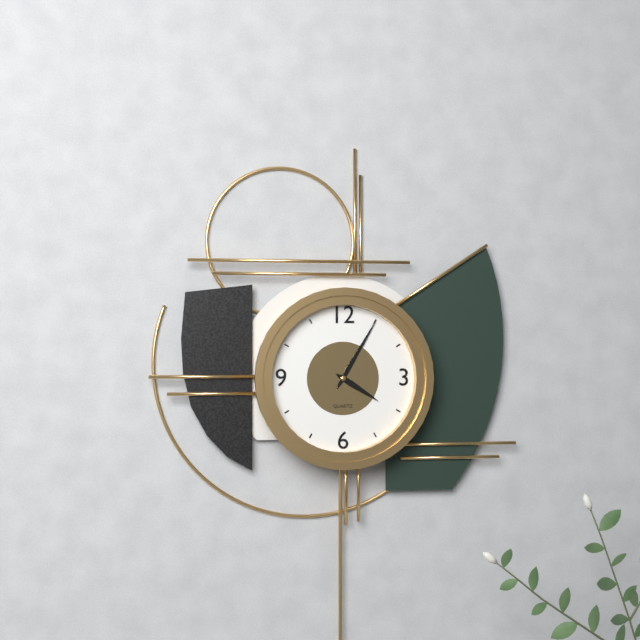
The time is **4:05**
